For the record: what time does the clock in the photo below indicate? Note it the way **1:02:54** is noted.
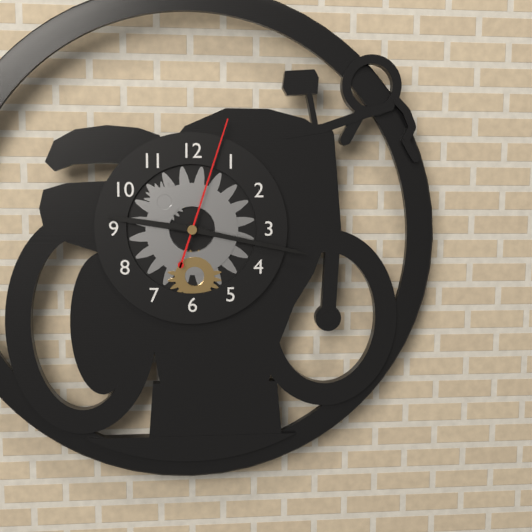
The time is **9:17:03**
